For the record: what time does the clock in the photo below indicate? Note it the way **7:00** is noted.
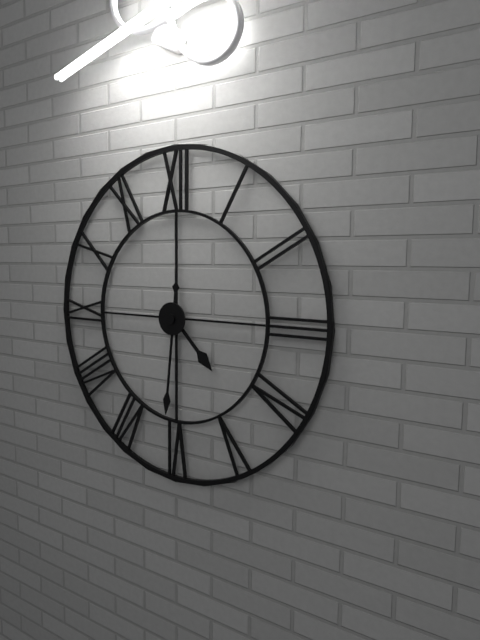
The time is **4:31**
